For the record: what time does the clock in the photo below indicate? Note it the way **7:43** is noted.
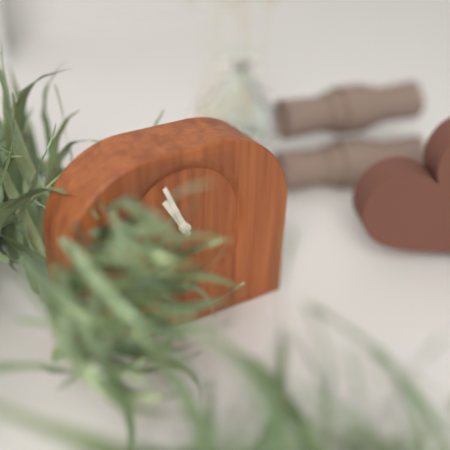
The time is **10:56**
